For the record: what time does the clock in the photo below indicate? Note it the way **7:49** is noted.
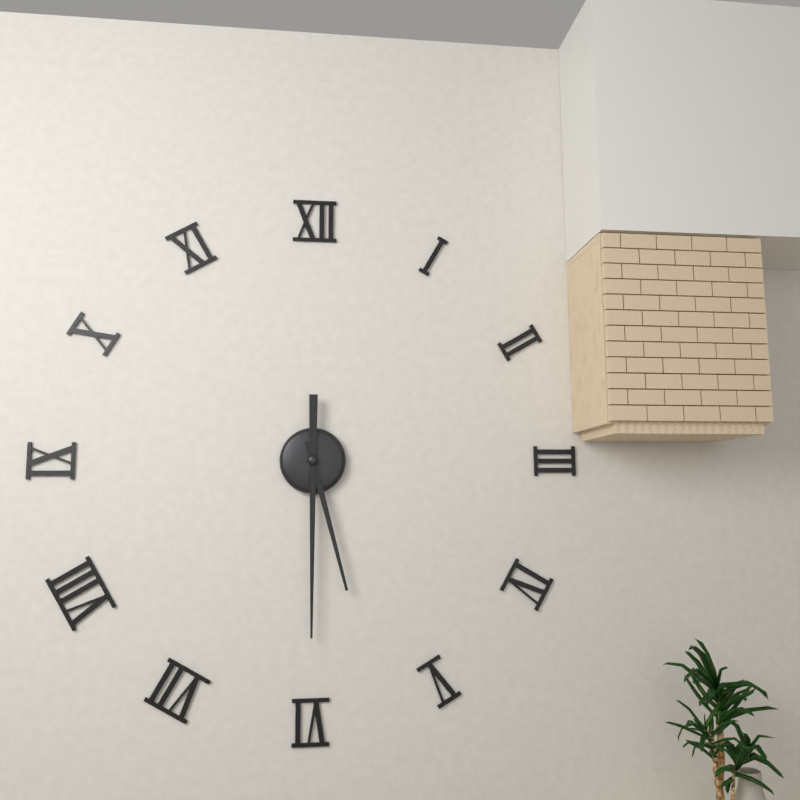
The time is **5:30**
